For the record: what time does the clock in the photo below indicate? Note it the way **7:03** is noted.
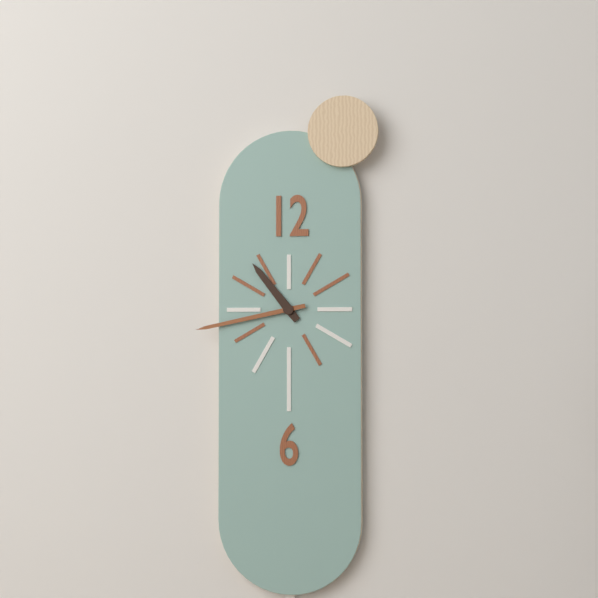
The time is **10:43**
